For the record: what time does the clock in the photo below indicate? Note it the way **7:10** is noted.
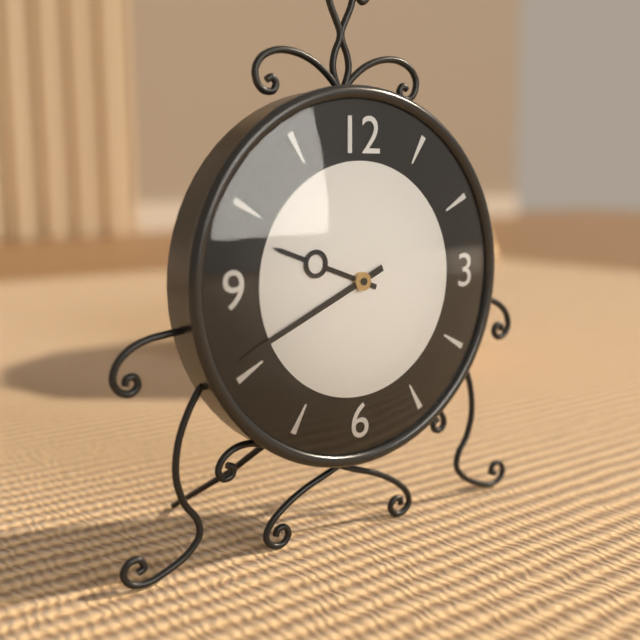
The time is **9:41**
